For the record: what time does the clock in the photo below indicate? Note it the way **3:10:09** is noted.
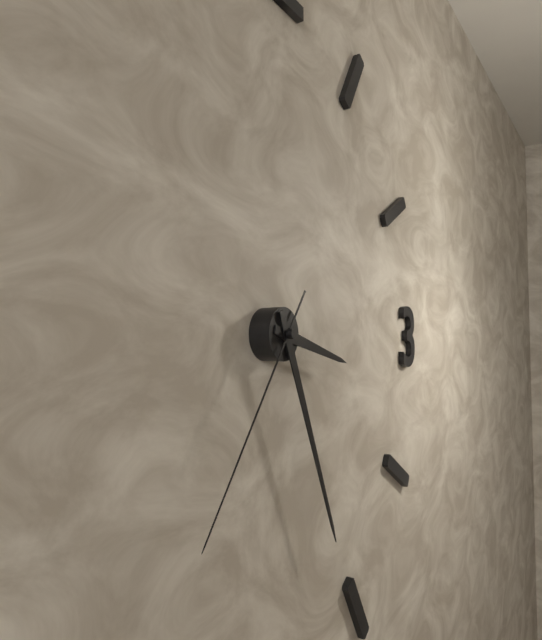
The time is **3:26:36**
